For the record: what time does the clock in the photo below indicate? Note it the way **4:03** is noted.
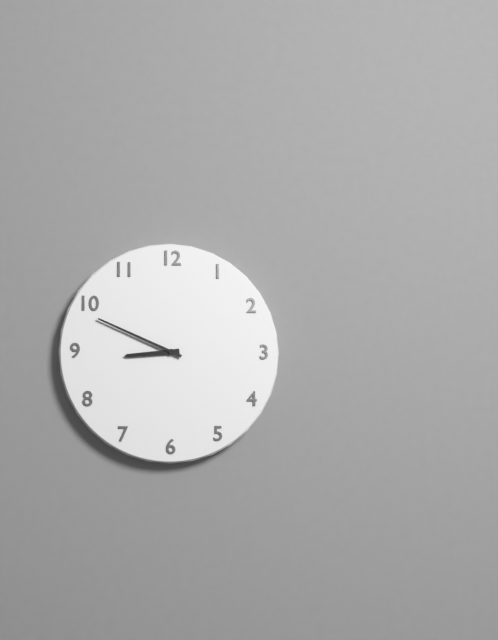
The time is **8:49**
